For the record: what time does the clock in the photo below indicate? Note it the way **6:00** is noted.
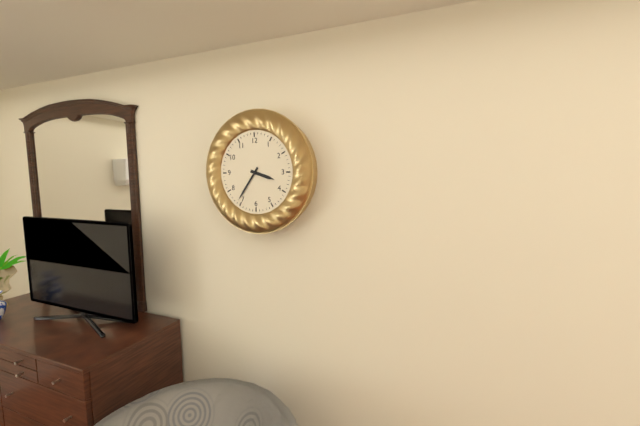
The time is **3:36**
